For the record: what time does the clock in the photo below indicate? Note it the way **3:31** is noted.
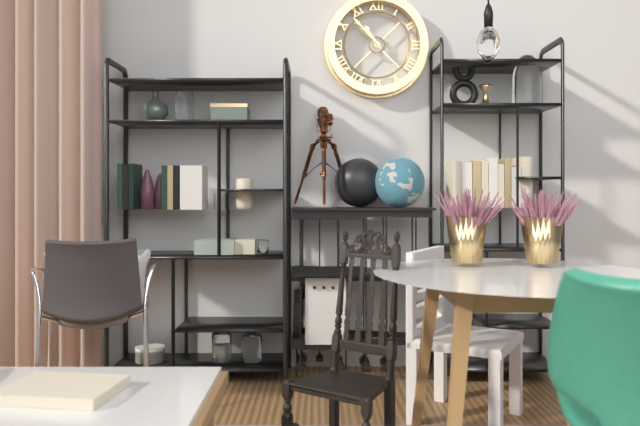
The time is **10:53**
